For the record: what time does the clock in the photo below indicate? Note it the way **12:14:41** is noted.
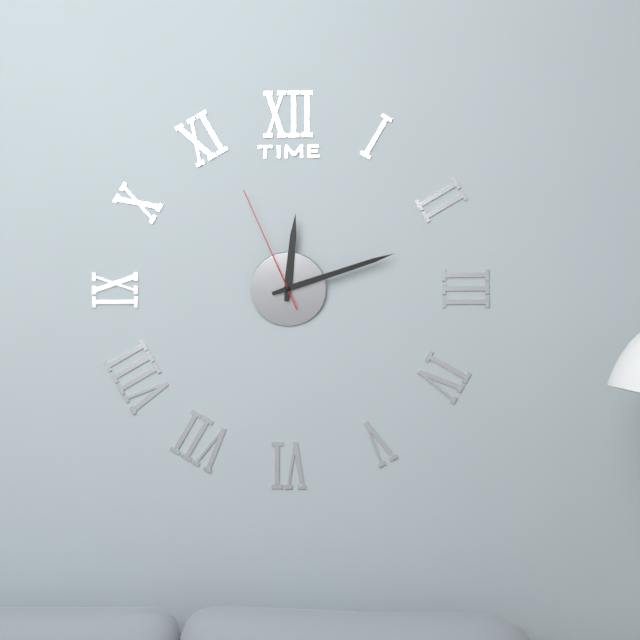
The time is **12:12:56**
